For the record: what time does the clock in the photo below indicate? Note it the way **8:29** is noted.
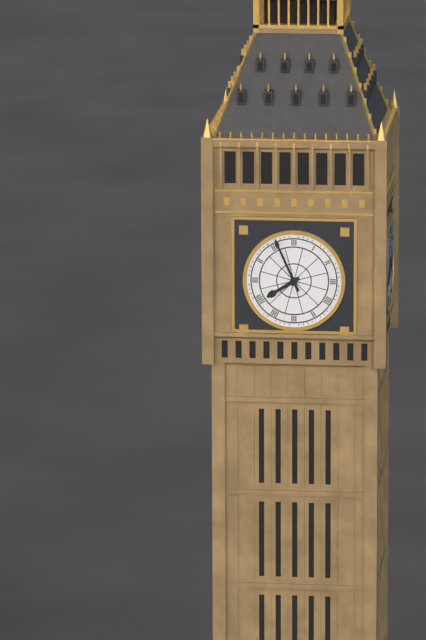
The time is **7:56**
